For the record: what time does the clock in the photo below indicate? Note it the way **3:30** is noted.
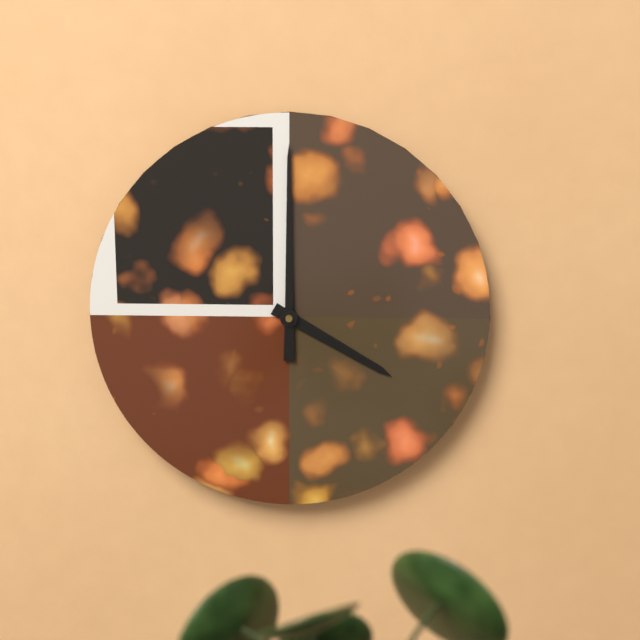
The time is **4:00**
